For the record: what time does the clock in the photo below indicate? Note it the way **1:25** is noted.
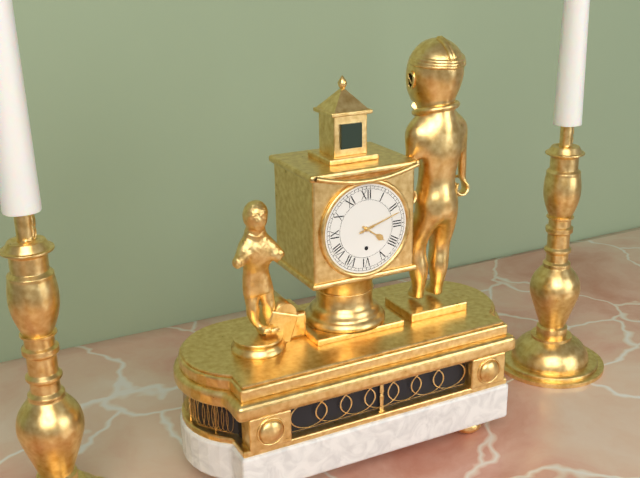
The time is **4:12**
